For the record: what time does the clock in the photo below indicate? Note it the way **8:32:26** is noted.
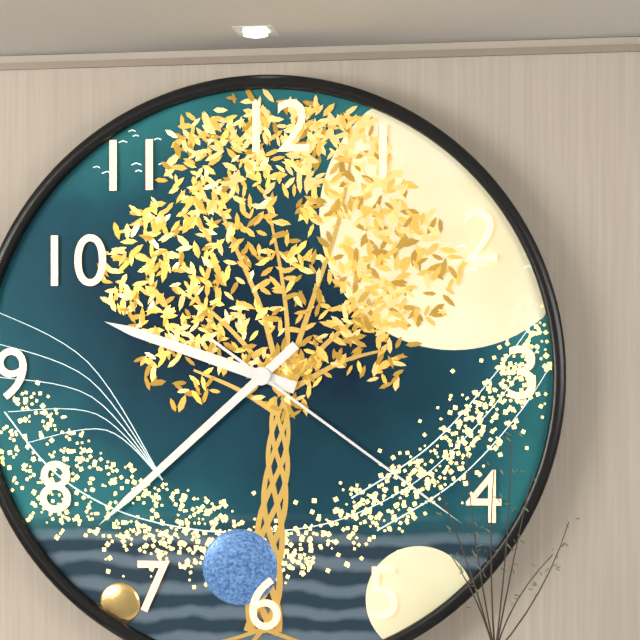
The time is **9:38:21**
